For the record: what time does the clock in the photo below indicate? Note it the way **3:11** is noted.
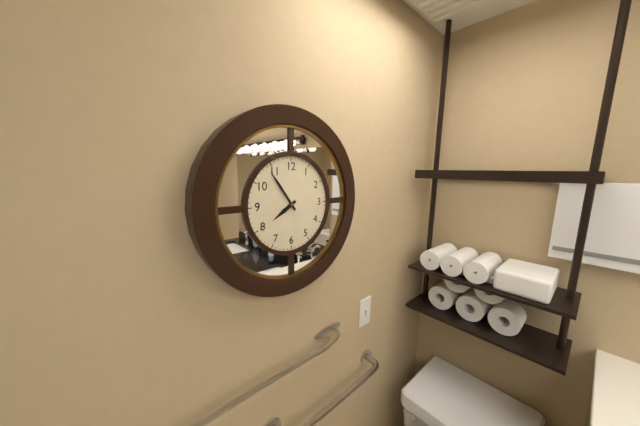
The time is **7:54**
